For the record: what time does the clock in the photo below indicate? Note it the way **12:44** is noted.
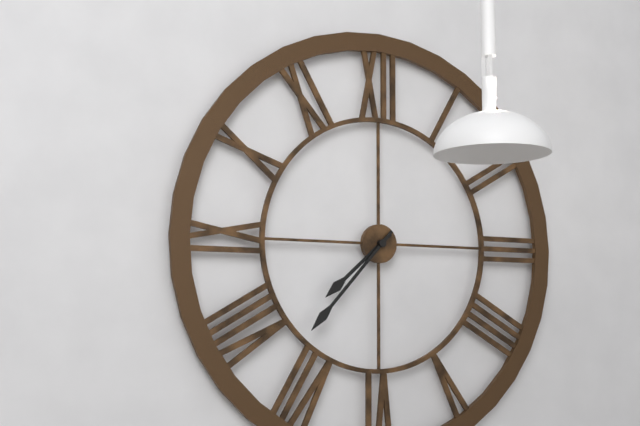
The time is **7:37**
